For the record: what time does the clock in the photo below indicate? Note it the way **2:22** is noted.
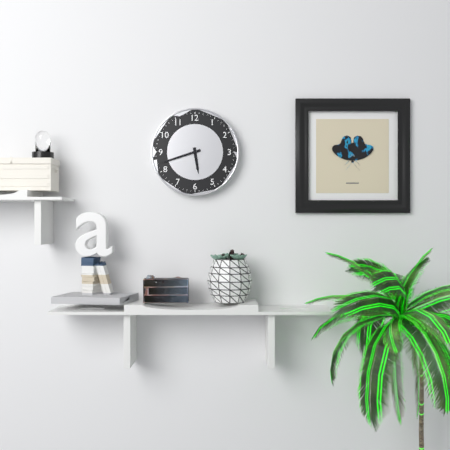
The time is **5:42**
